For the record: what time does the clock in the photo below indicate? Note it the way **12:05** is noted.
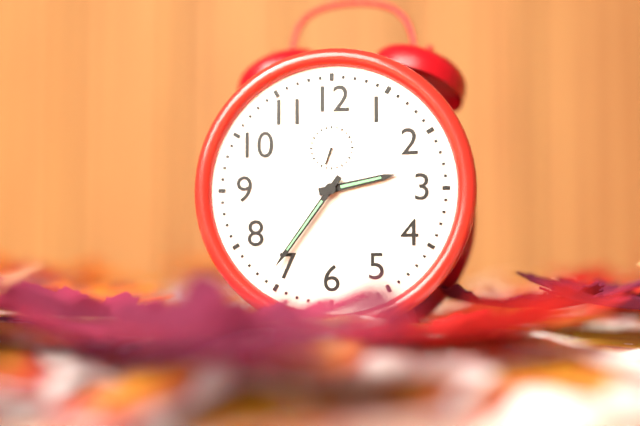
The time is **2:36**
